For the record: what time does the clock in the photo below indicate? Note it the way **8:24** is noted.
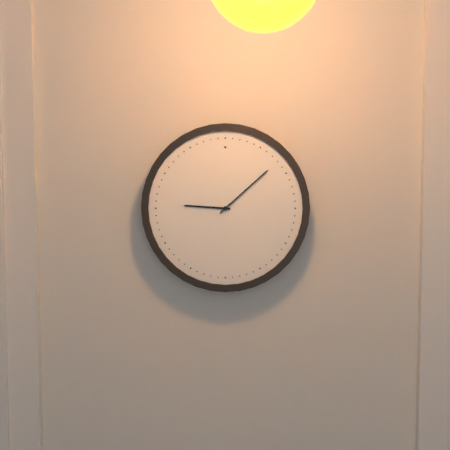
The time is **9:08**
